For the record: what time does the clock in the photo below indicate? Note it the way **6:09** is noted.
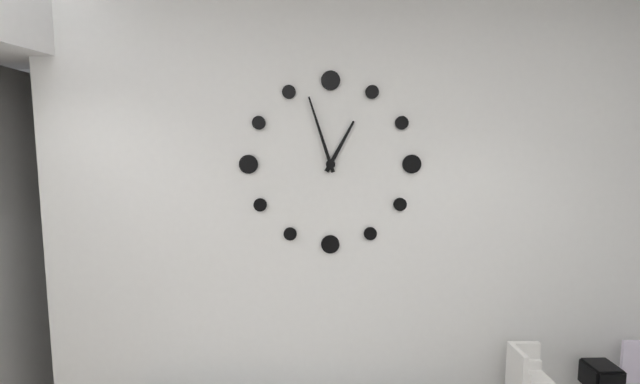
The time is **12:57**
